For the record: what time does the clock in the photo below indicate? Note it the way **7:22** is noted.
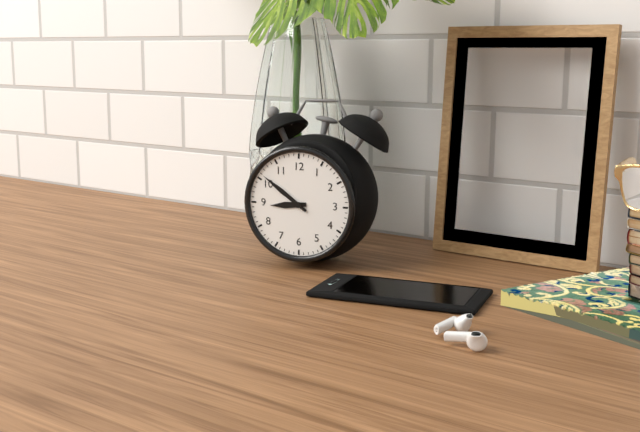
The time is **8:51**
